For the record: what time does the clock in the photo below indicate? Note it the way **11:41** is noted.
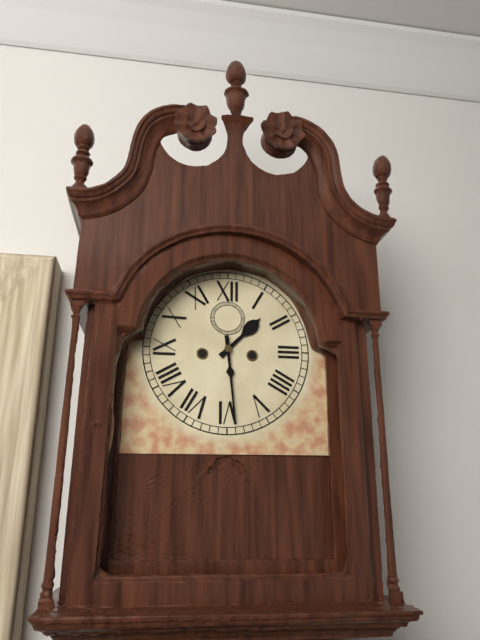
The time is **1:29**
